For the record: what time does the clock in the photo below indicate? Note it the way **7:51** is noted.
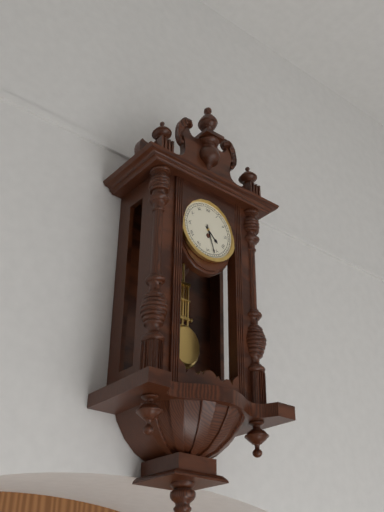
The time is **4:27**
